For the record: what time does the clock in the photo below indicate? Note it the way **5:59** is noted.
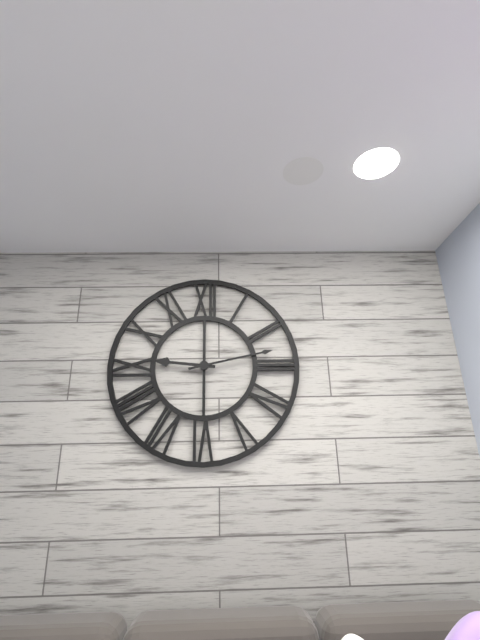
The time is **9:13**
